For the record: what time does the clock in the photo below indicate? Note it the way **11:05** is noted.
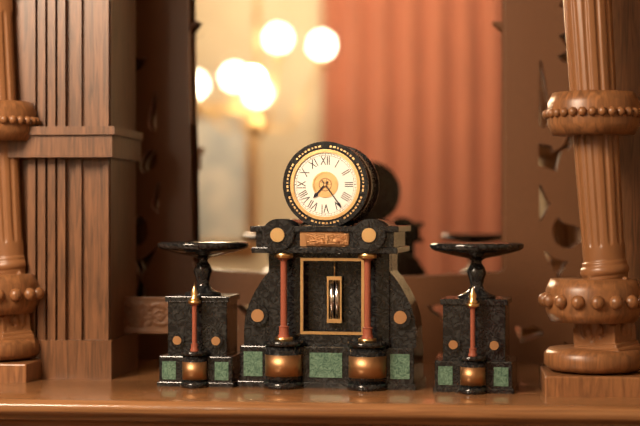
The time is **7:24**
